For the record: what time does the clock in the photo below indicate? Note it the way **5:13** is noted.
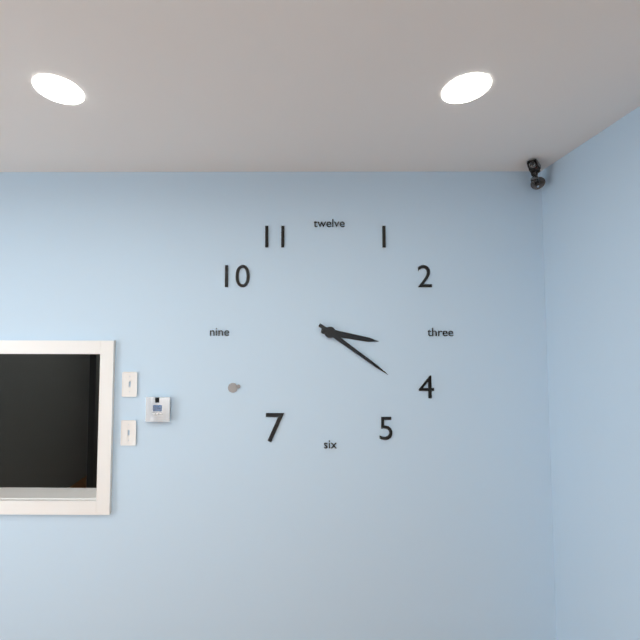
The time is **3:21**
